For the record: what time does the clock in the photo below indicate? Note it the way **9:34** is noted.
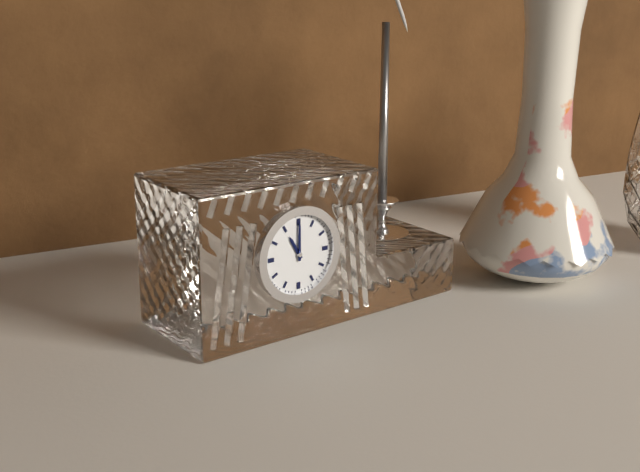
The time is **11:00**
